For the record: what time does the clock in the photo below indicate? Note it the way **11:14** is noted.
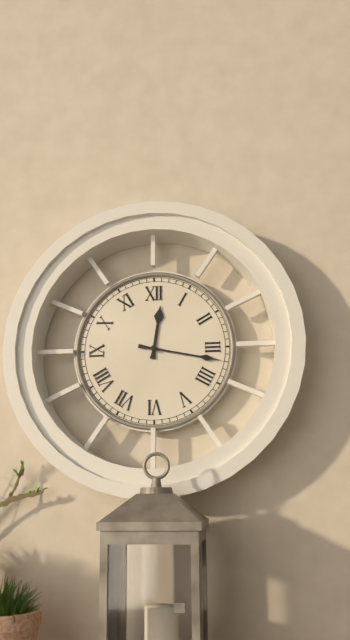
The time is **12:17**
